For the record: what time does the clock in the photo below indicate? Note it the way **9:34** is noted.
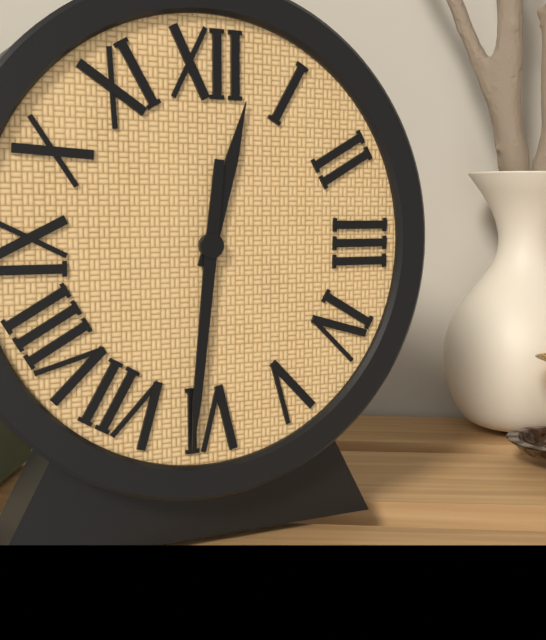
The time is **12:31**
